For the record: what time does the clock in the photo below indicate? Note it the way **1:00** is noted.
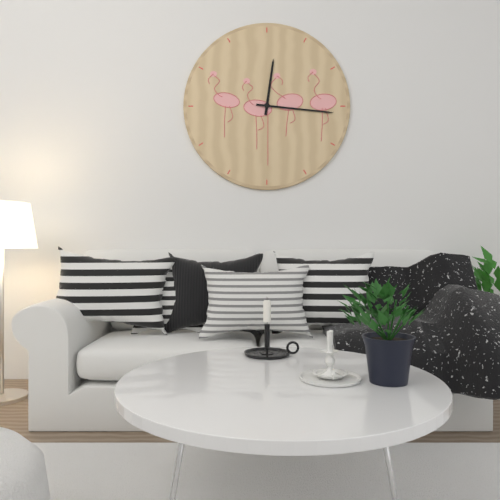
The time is **12:16**
